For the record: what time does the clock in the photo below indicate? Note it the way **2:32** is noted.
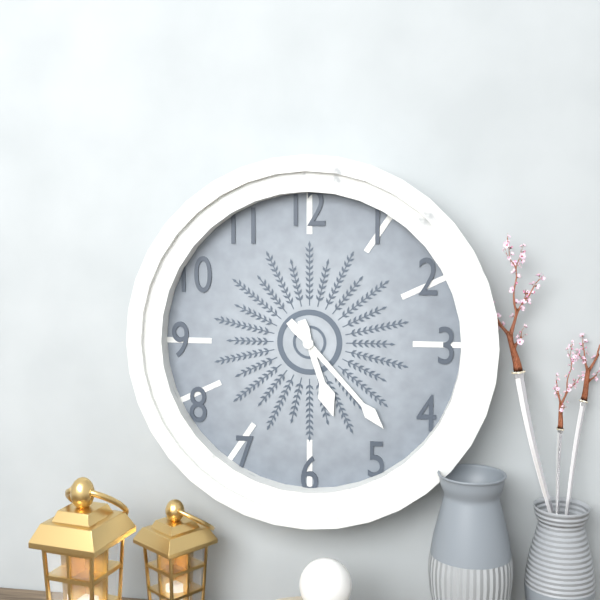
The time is **5:23**
